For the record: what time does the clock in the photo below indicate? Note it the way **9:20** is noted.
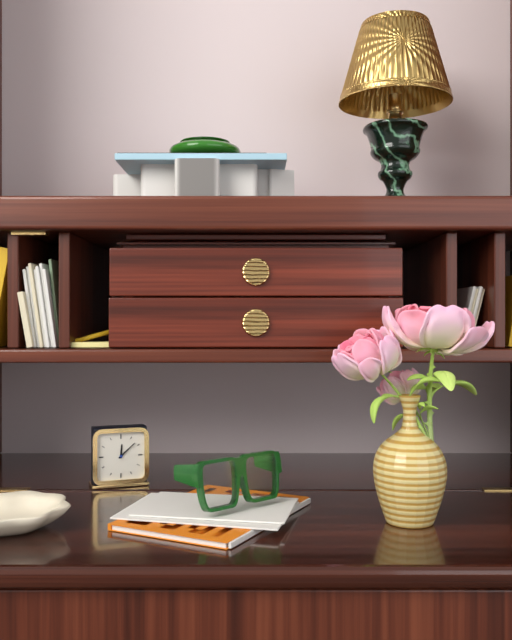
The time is **12:08**
